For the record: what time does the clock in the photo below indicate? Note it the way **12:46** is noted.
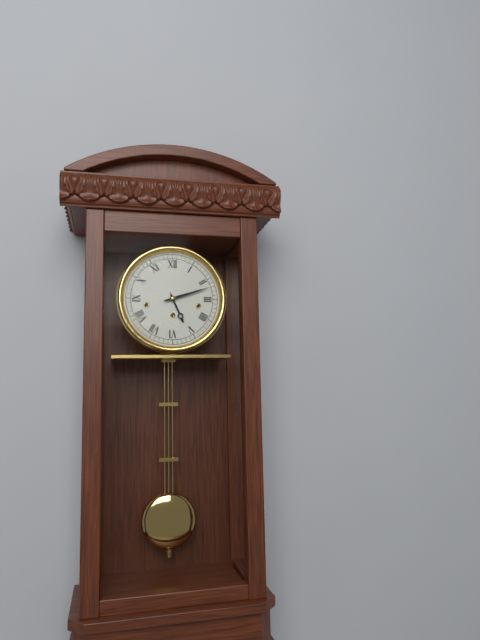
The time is **5:12**
